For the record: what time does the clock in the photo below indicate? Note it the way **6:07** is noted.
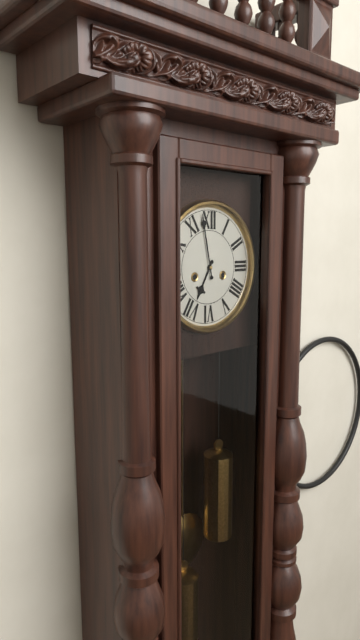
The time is **6:58**
